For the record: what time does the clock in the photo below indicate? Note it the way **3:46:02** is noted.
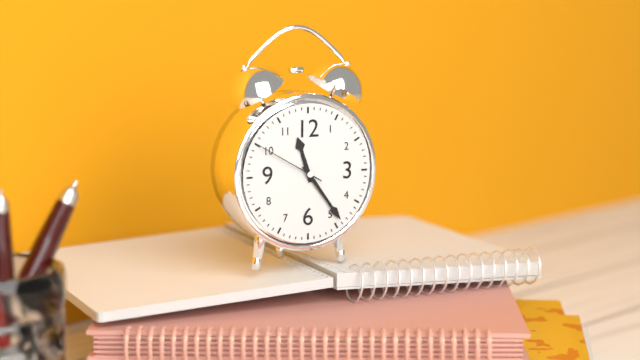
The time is **11:24:50**
